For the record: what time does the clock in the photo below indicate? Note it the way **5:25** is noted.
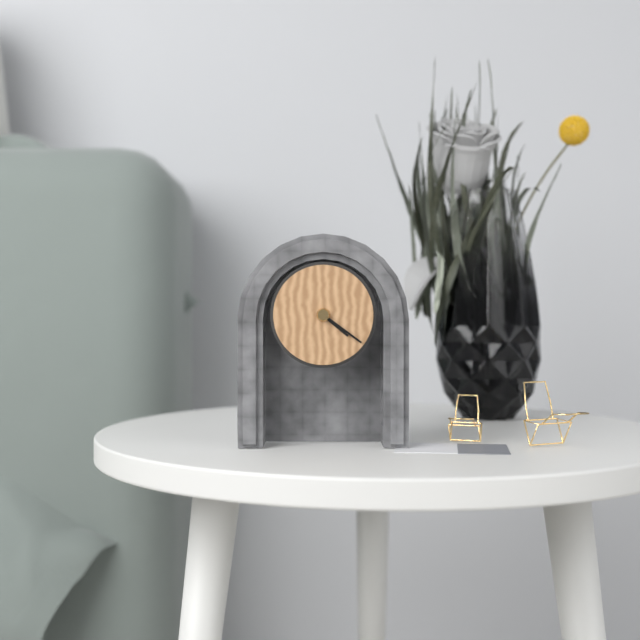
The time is **4:21**
